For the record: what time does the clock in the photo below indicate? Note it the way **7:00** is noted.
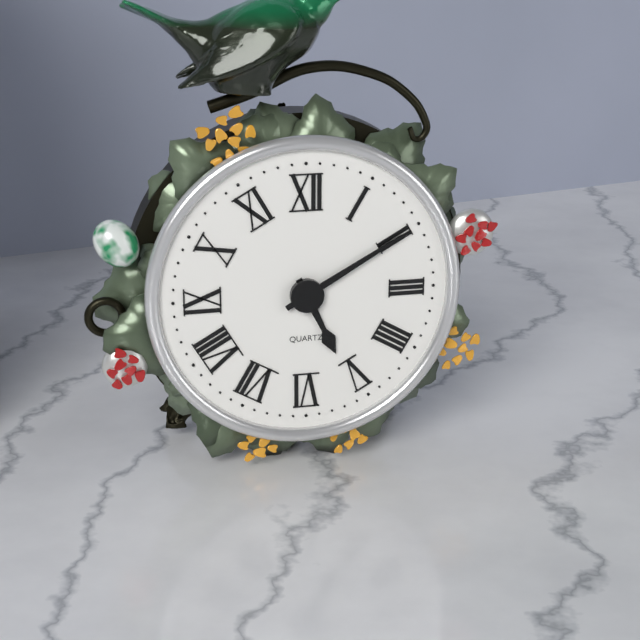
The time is **5:10**
